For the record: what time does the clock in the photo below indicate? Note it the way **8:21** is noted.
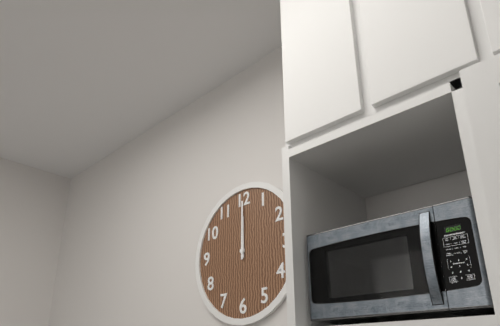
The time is **12:00**
